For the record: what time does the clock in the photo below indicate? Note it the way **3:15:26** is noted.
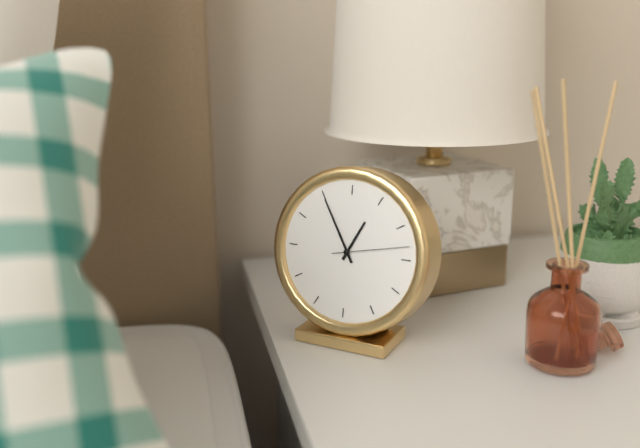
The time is **12:55:13**
